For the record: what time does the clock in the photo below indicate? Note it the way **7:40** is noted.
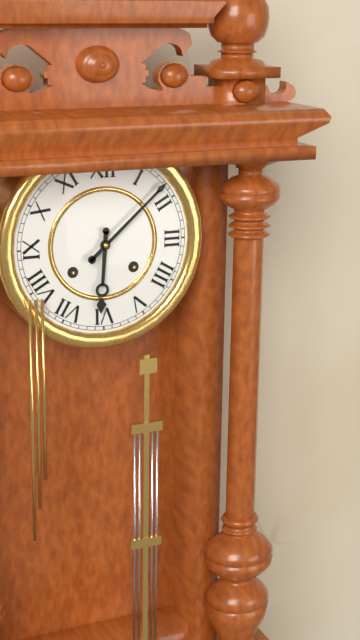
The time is **6:08**
